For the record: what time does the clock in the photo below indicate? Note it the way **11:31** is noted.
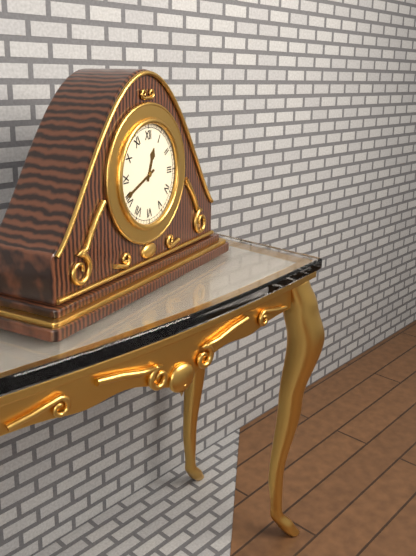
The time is **12:41**
